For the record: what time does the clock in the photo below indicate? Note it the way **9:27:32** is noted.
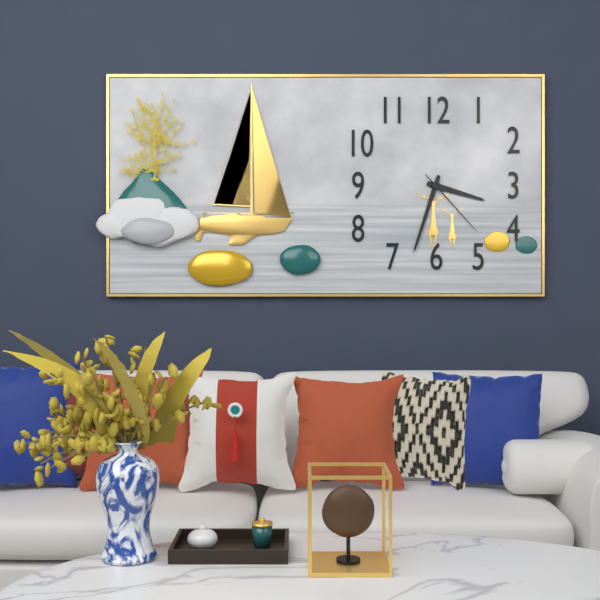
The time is **3:33:23**
